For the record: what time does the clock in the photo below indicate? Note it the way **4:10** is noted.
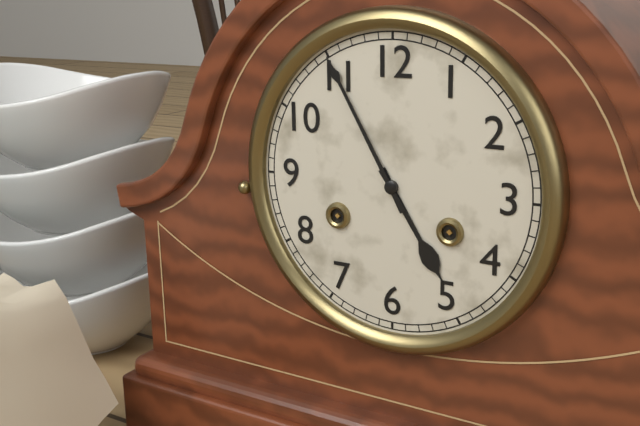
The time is **4:55**
